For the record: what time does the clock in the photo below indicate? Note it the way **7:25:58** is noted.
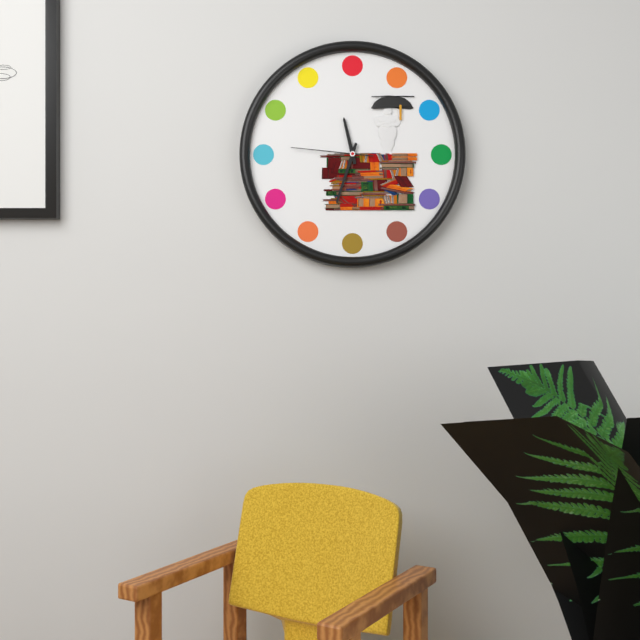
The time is **11:33:46**
